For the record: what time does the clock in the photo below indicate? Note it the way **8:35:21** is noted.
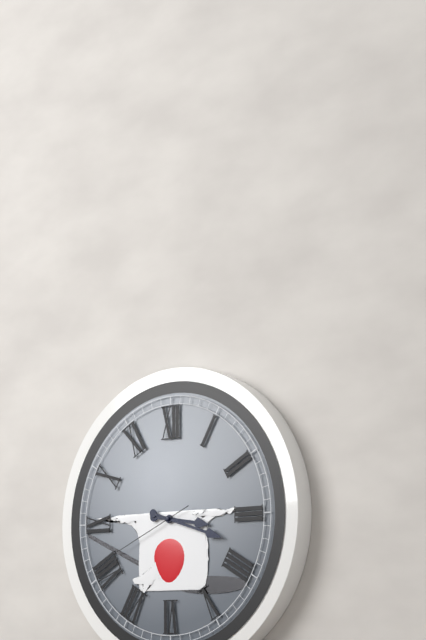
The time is **3:18:41**
